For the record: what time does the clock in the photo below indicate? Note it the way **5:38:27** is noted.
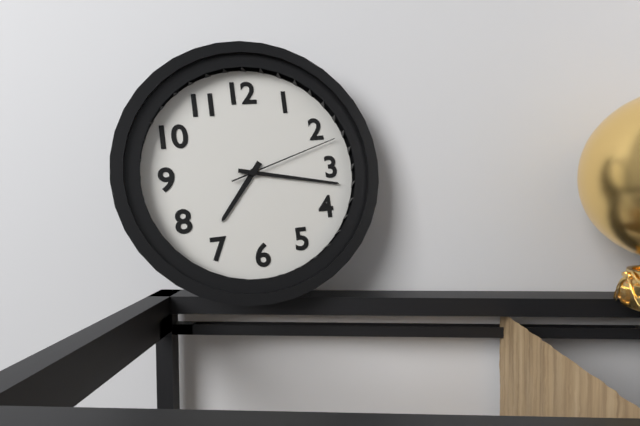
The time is **7:17:12**
